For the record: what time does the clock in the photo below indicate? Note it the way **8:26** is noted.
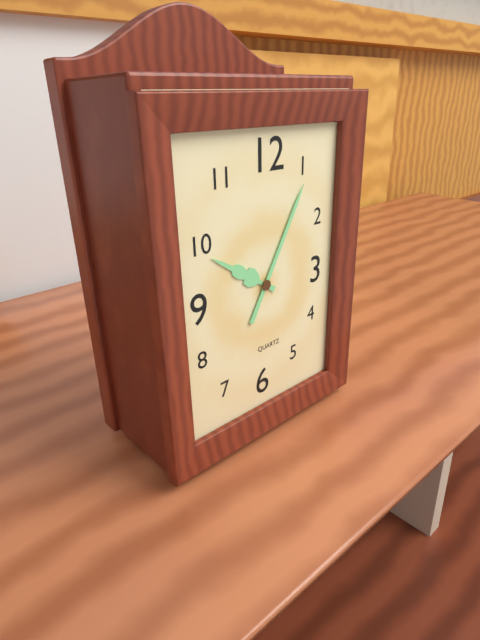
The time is **10:05**
